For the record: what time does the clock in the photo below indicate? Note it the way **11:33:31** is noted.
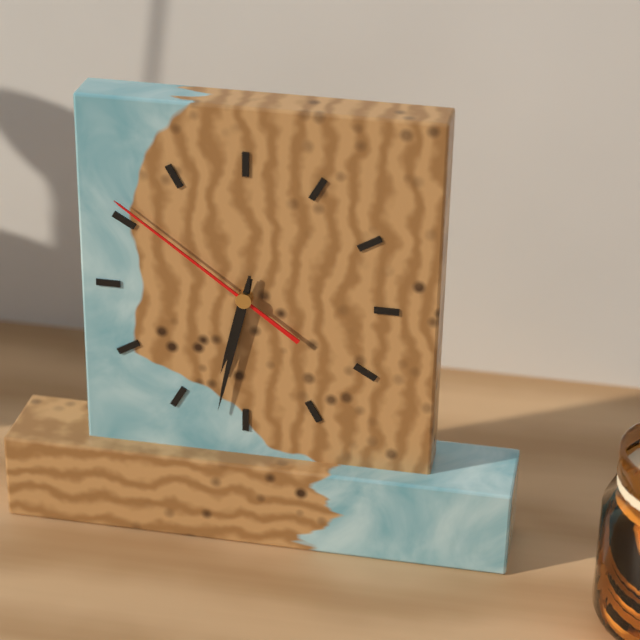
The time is **6:32:51**
